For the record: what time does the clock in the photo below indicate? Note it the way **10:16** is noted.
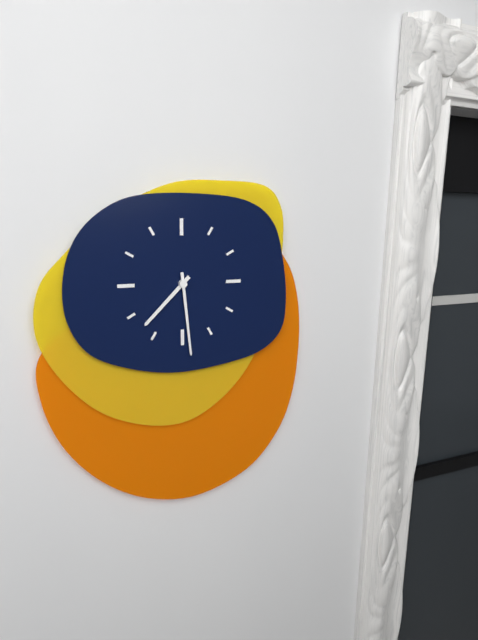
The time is **7:29**
